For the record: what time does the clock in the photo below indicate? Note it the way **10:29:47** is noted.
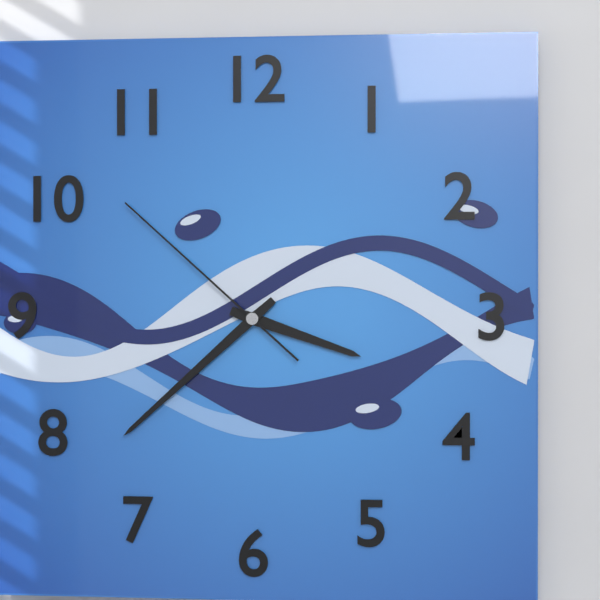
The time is **3:38:52**
